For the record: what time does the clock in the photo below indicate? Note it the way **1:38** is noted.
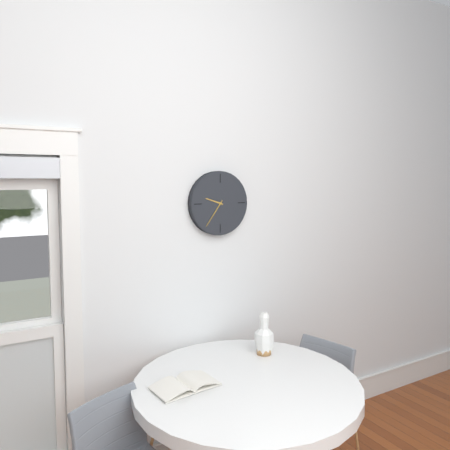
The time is **9:36**
